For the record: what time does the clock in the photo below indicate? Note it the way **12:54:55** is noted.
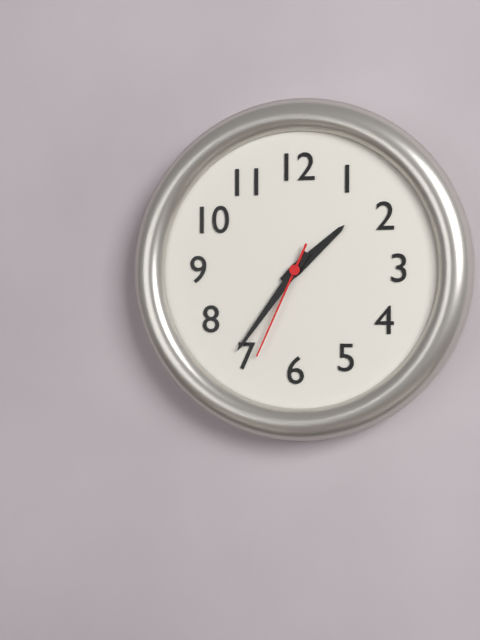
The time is **1:36:34**
